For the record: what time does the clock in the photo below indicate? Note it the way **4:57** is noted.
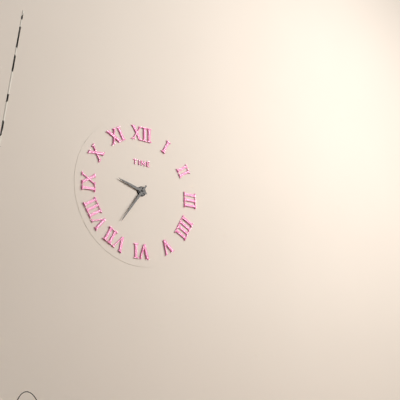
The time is **9:36**
